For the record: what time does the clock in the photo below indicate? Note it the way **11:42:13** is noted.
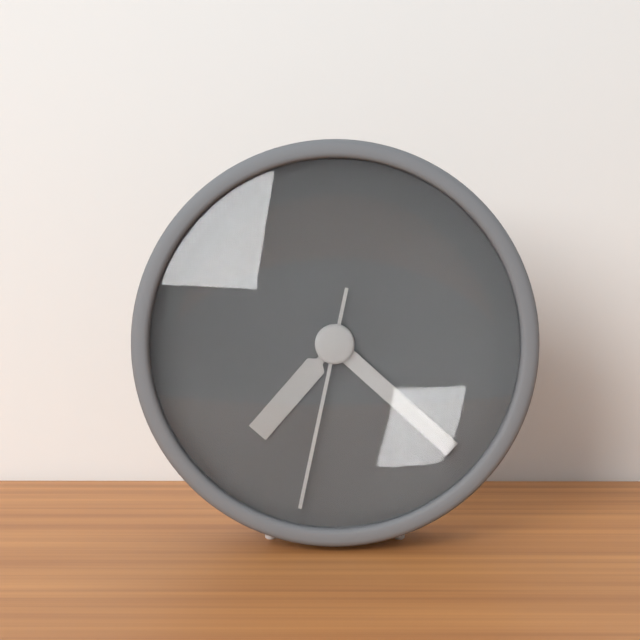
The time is **7:22:32**
